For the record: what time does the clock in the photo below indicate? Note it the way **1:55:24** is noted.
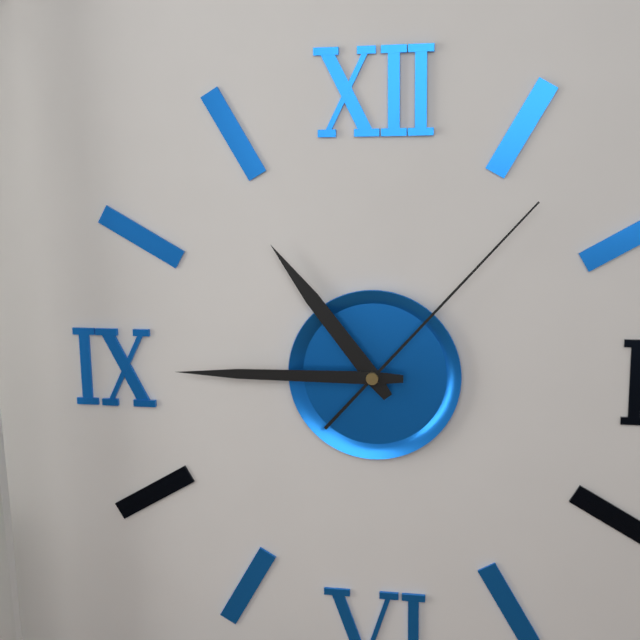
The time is **10:45:07**
